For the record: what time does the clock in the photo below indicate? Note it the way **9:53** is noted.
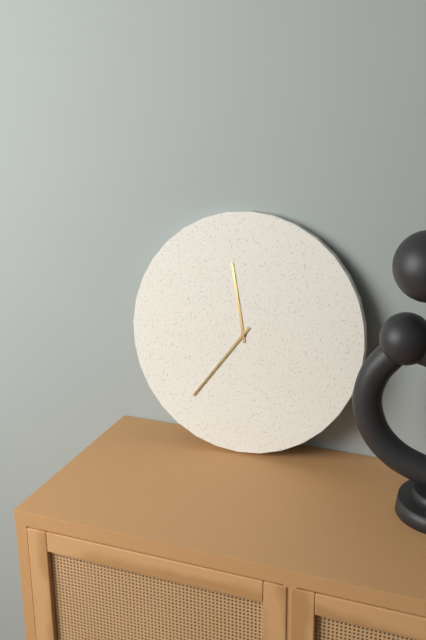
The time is **11:36**
